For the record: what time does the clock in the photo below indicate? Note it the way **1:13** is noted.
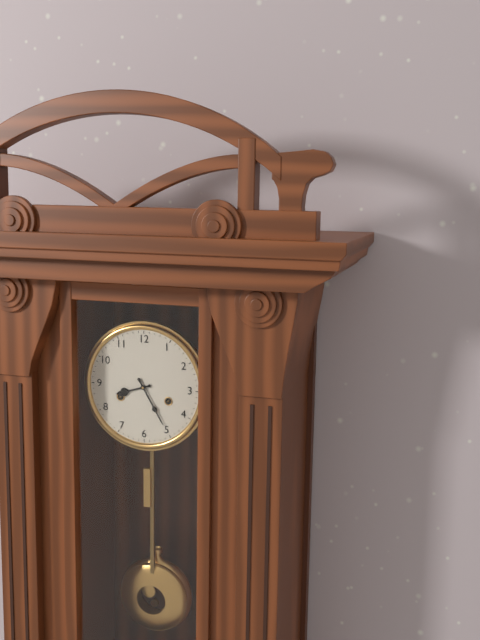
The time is **8:25**
